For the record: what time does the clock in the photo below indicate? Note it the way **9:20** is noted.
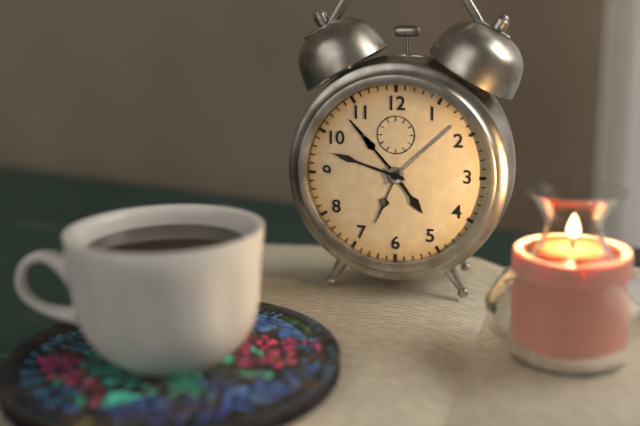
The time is **4:48**
